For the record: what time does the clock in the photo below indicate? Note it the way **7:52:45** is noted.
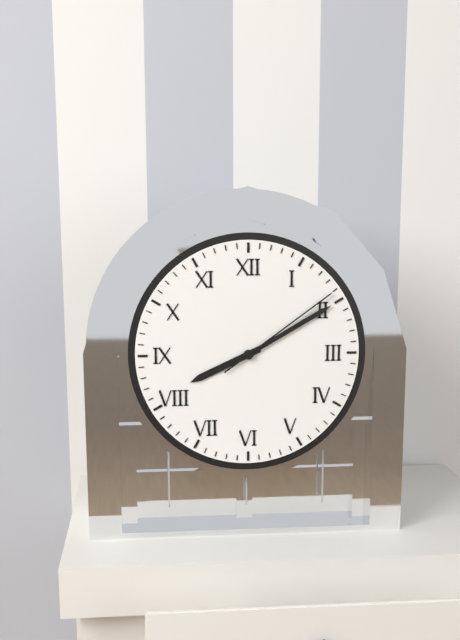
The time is **8:10:09**
